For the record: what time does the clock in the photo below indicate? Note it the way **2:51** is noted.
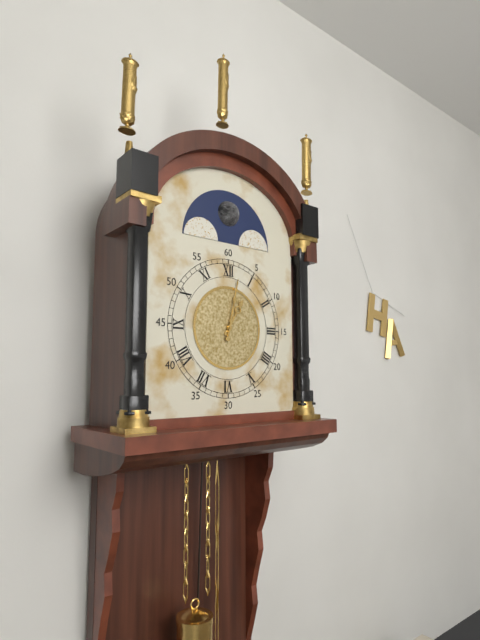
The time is **1:02**
